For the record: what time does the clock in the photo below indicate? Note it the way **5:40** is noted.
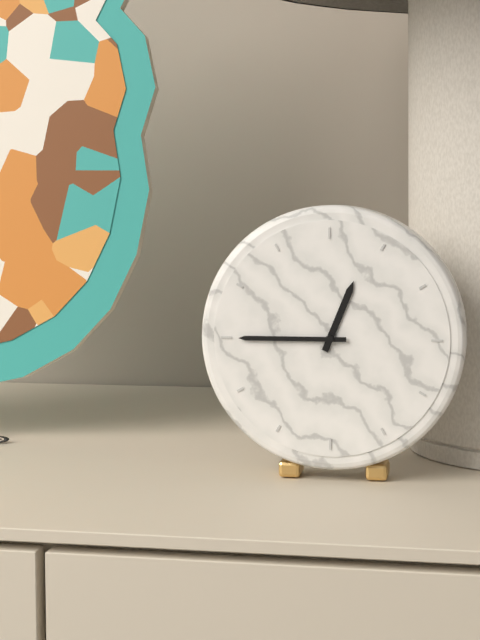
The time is **12:45**
